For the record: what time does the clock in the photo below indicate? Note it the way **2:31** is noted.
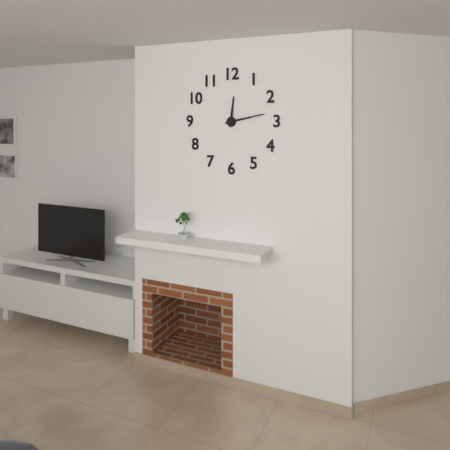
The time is **12:13**
